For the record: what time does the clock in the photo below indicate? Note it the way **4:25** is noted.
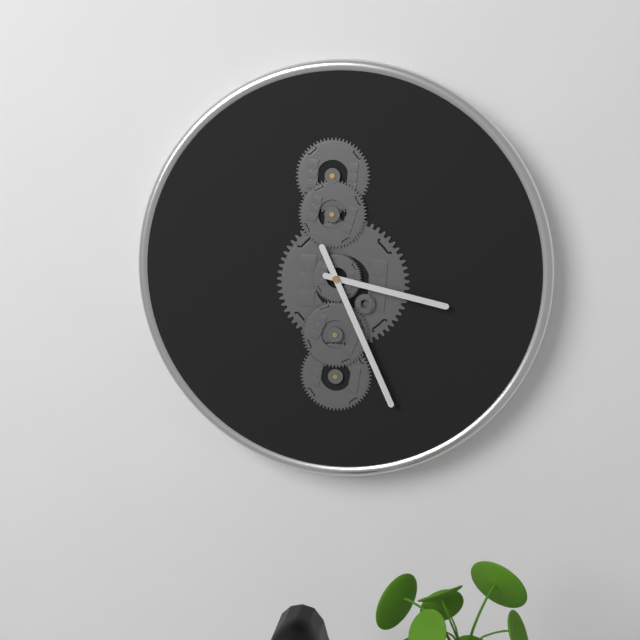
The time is **3:26**
